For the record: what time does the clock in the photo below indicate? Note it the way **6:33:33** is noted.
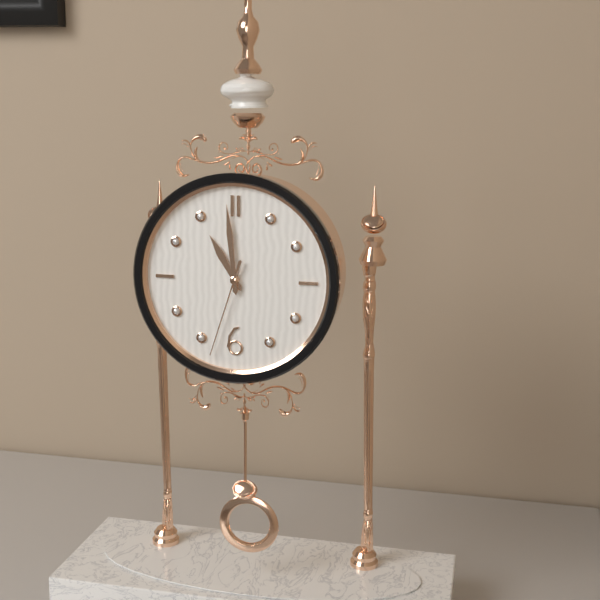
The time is **10:59:33**
